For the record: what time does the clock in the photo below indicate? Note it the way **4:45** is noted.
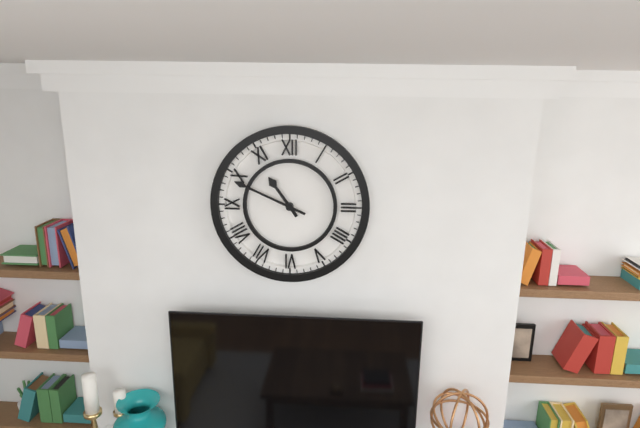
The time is **10:49**
